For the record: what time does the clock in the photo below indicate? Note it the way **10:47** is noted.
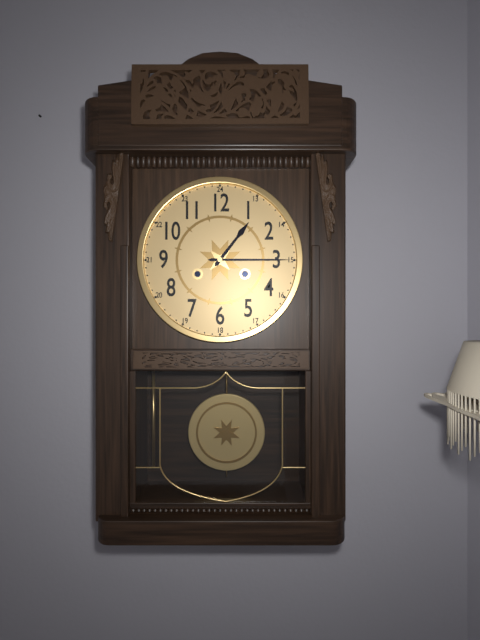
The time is **1:15**
